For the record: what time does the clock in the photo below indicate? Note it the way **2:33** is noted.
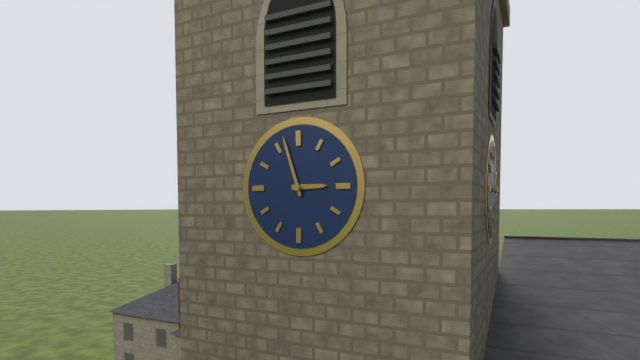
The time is **2:57**
